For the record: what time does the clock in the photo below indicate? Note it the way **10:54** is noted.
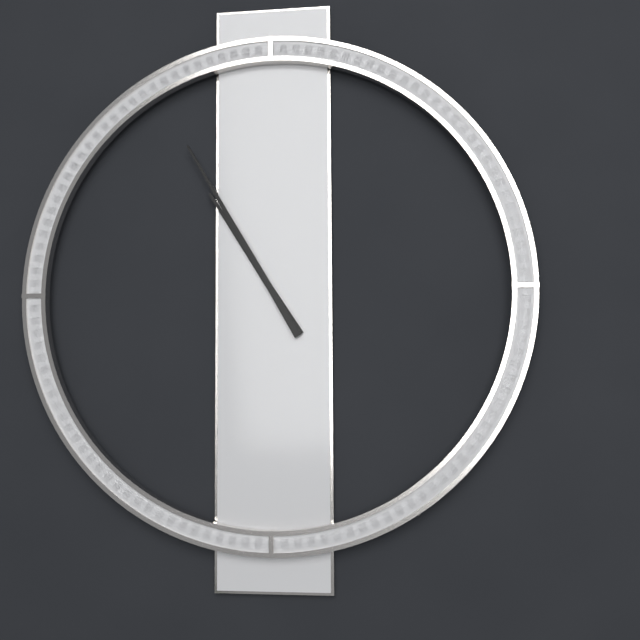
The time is **10:55**
